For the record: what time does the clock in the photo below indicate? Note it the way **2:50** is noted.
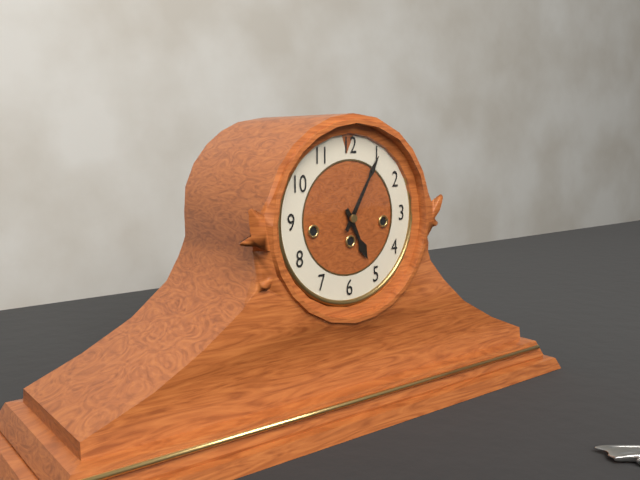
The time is **5:05**
